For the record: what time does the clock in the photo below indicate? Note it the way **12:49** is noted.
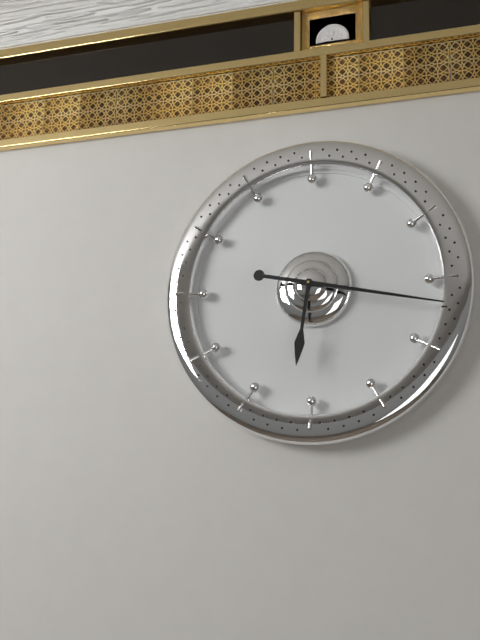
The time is **6:17**
